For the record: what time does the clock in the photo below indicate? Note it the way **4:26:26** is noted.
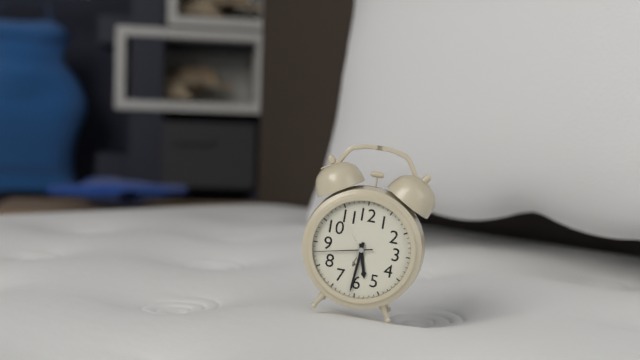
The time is **5:31:43**
